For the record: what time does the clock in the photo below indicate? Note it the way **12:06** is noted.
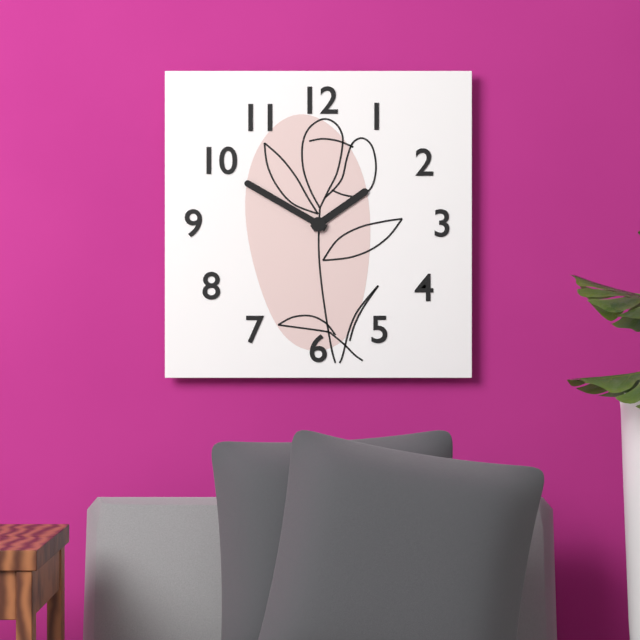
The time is **1:50**
